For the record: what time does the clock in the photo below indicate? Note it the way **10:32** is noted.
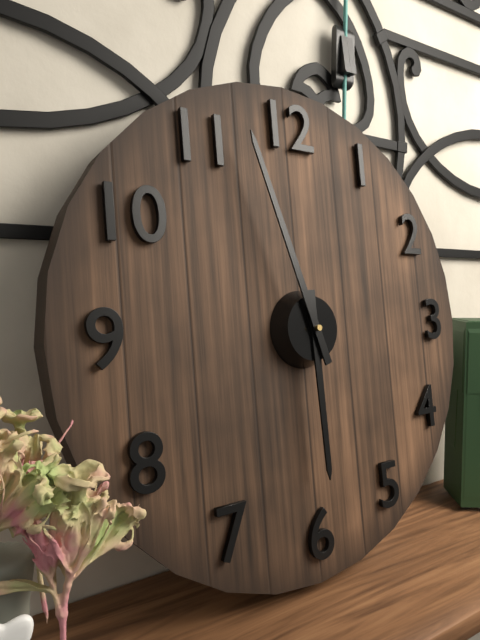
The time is **5:57**
